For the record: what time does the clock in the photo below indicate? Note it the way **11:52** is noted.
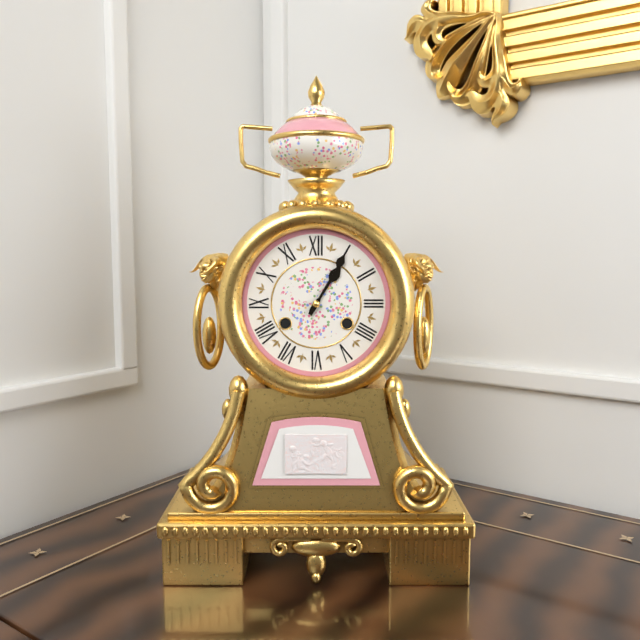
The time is **1:05**
